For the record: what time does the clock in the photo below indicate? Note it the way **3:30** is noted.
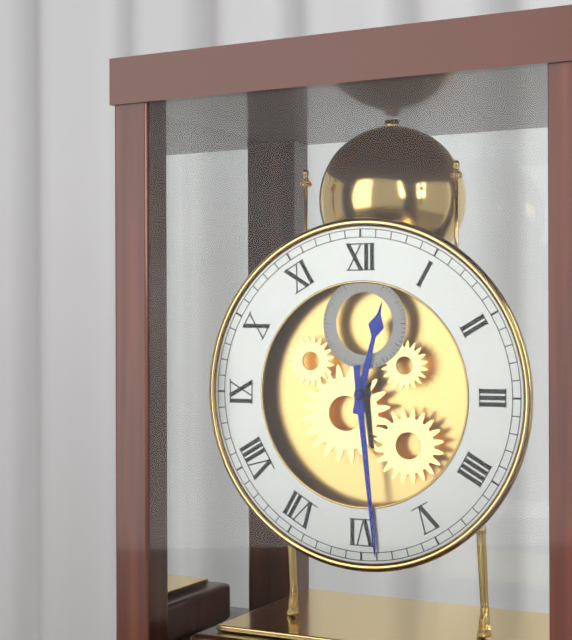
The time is **12:29**
